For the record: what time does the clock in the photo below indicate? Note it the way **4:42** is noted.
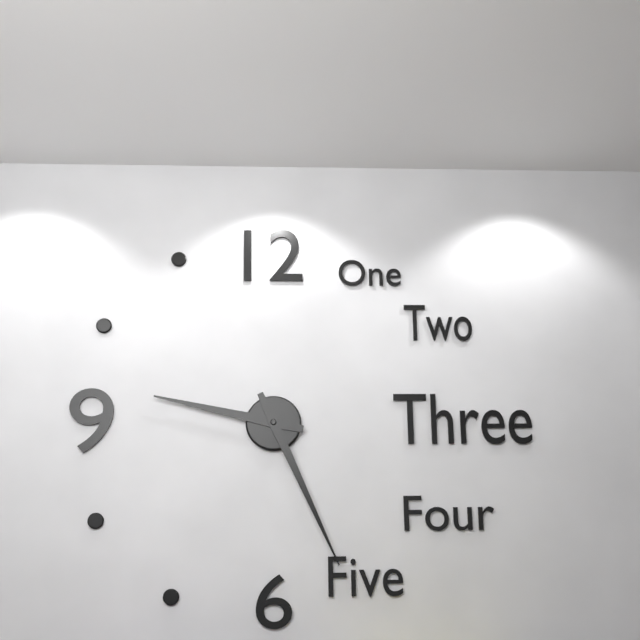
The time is **9:26**
